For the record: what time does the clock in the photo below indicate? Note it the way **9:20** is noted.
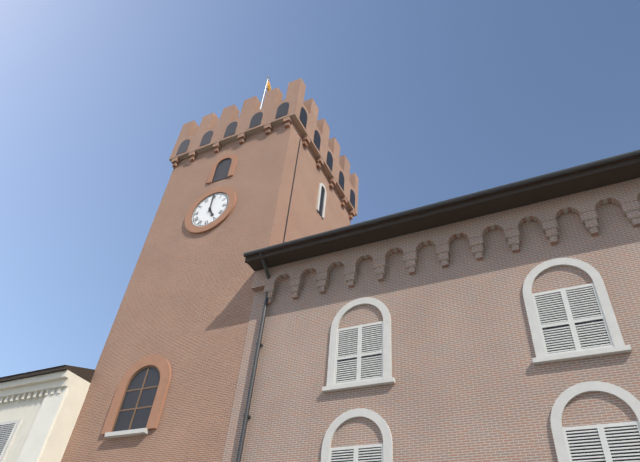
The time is **5:00**
